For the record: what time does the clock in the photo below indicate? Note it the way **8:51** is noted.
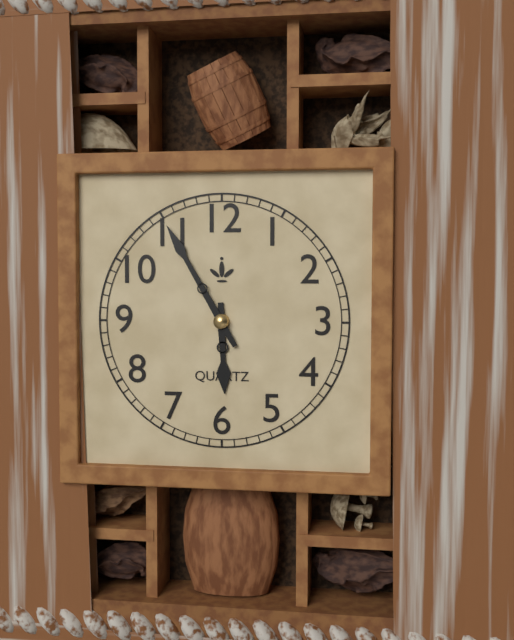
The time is **5:55**
